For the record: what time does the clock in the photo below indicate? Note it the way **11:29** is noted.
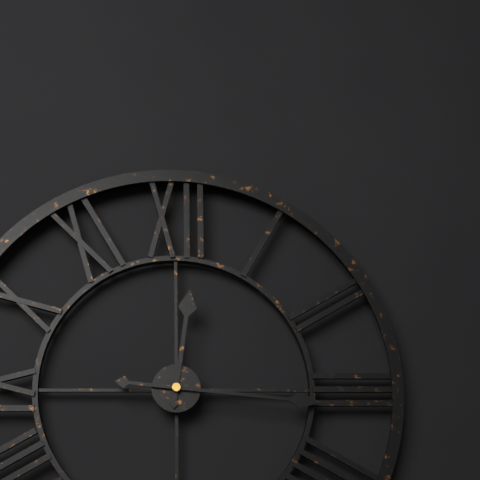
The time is **12:16**
